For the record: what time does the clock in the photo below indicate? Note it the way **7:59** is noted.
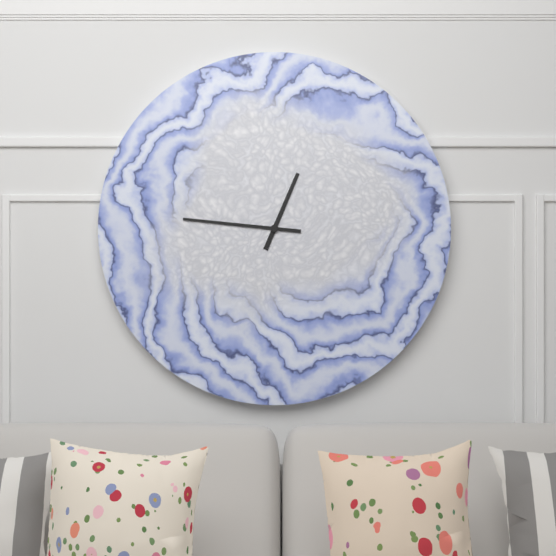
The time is **12:46**
